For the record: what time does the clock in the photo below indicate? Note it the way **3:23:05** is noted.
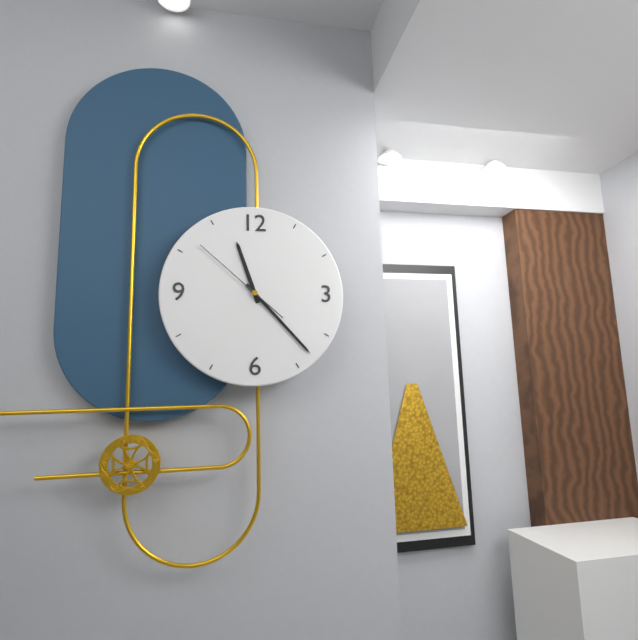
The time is **11:23:52**
